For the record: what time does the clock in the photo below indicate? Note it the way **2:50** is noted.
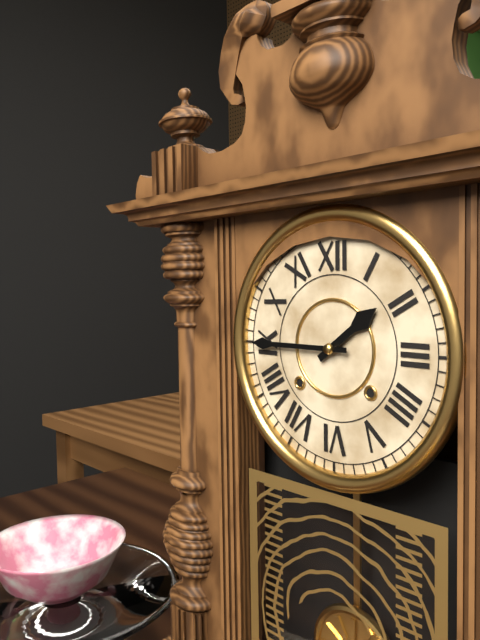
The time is **1:45**
